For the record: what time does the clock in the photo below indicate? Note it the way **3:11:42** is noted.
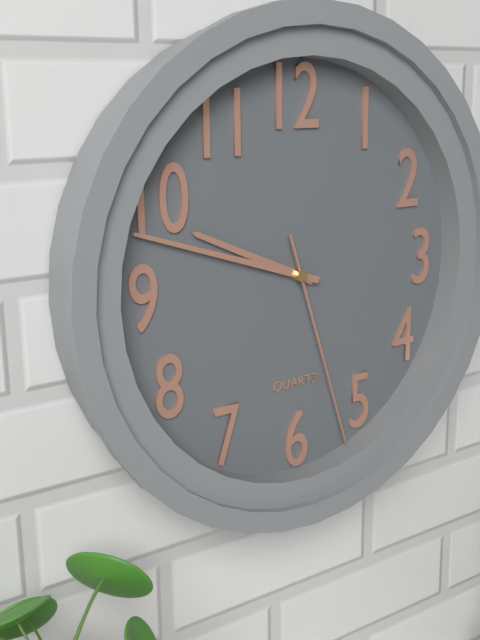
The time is **9:48:27**
